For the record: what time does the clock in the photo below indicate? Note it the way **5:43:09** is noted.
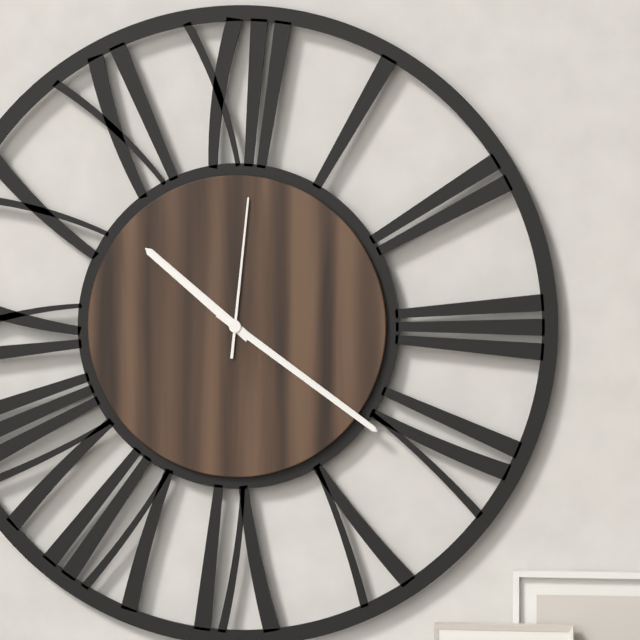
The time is **10:21:01**
